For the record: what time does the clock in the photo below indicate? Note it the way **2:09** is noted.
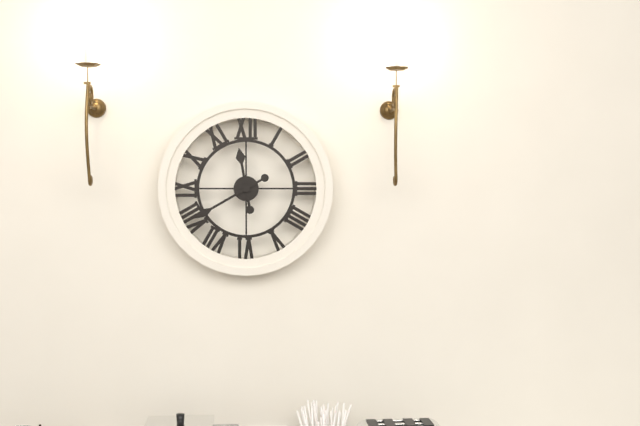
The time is **11:40**
